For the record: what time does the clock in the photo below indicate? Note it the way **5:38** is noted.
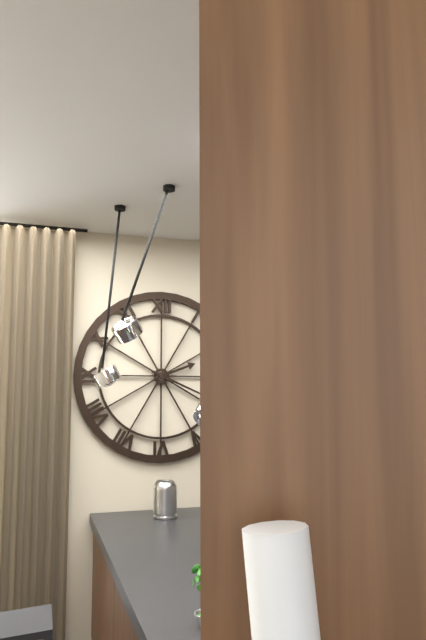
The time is **2:19**
